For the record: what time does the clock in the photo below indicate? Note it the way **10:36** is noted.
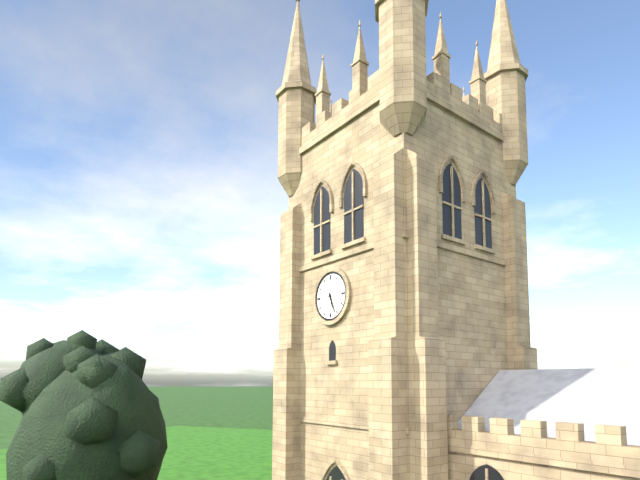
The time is **5:26**
